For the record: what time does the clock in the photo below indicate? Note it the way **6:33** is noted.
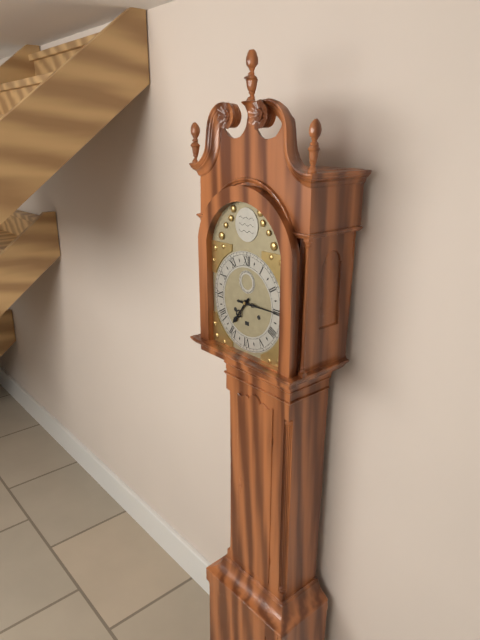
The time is **7:15**
